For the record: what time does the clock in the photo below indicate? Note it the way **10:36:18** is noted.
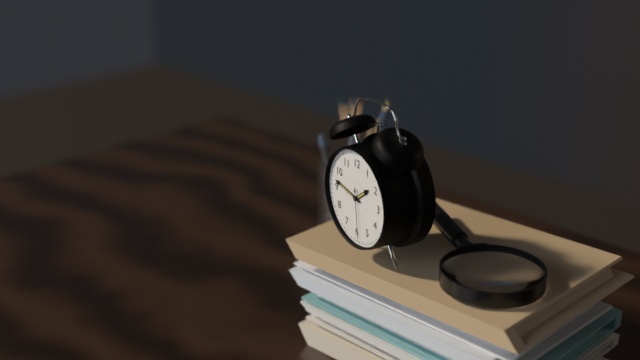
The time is **1:47:29**
